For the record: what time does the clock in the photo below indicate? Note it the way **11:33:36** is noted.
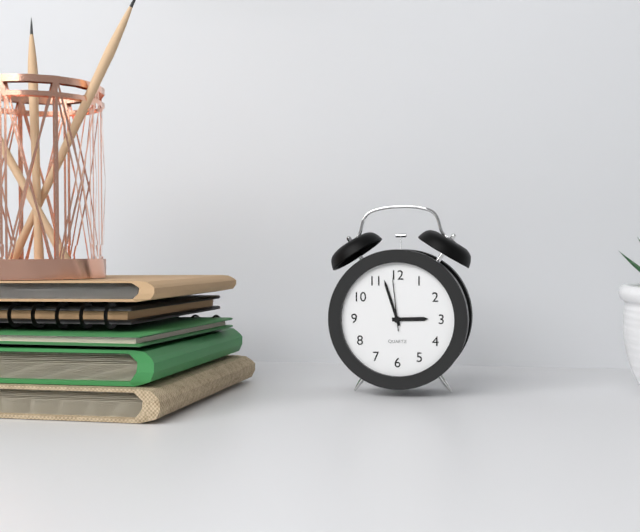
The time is **2:57:59**
